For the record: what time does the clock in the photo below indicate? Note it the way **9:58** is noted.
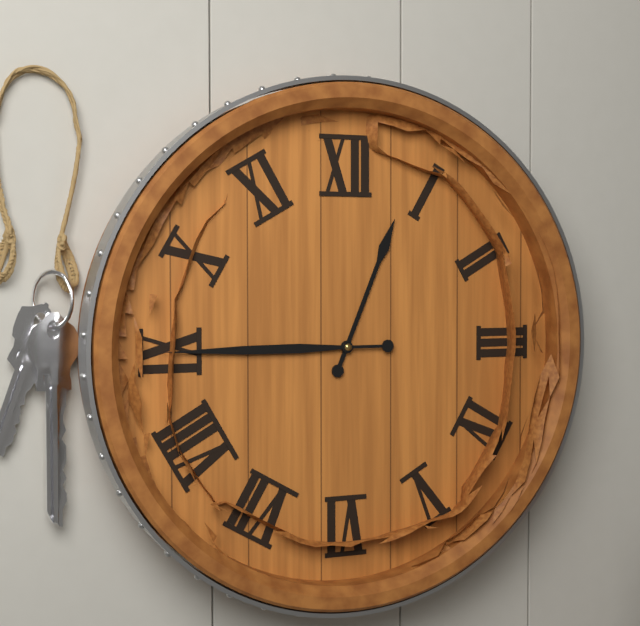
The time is **12:45**
